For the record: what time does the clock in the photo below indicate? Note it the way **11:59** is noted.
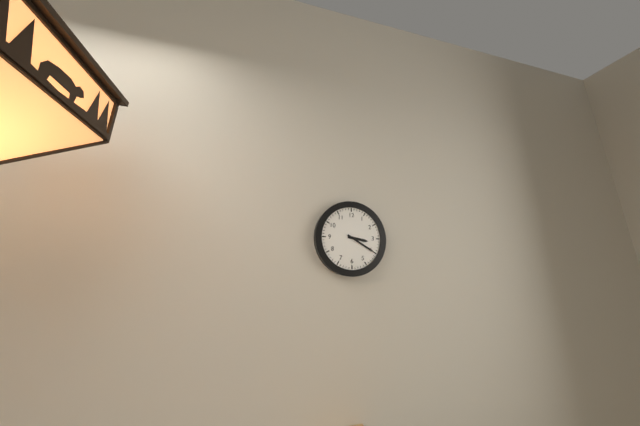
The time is **3:20**
